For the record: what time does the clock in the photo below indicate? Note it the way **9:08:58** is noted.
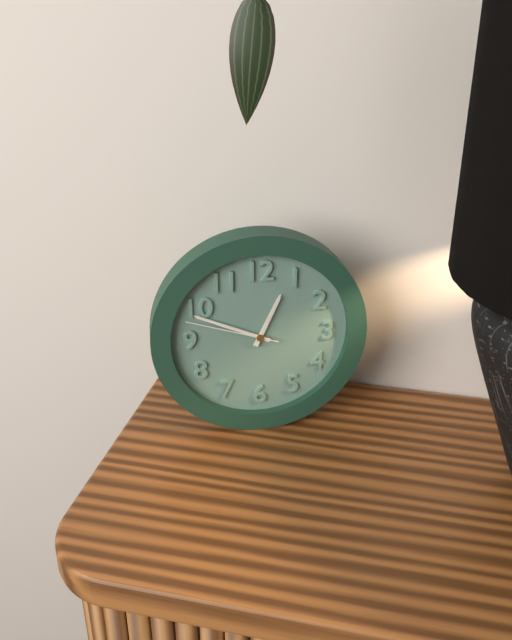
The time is **12:49:48**
